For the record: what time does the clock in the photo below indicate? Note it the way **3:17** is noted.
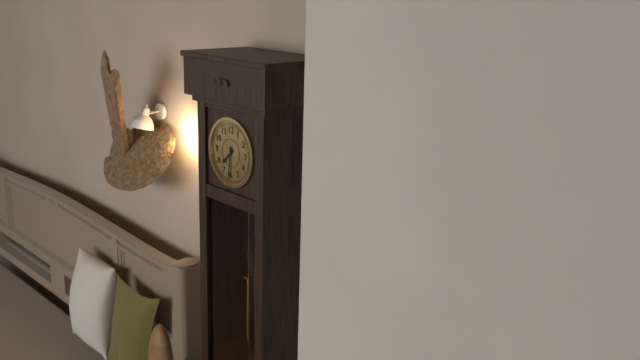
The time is **7:31**
